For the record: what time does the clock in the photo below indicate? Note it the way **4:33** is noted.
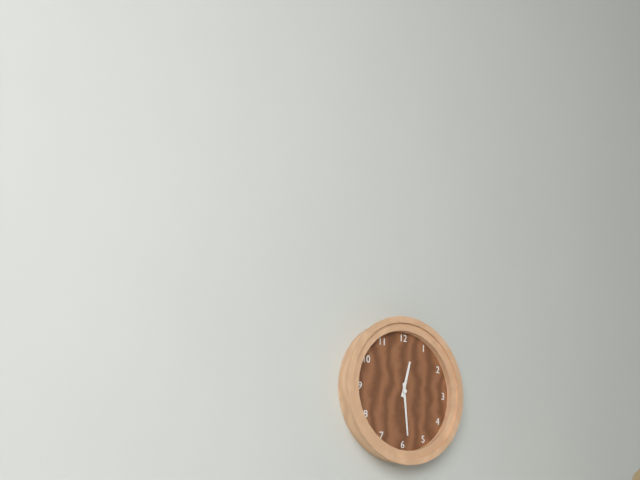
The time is **12:29**
